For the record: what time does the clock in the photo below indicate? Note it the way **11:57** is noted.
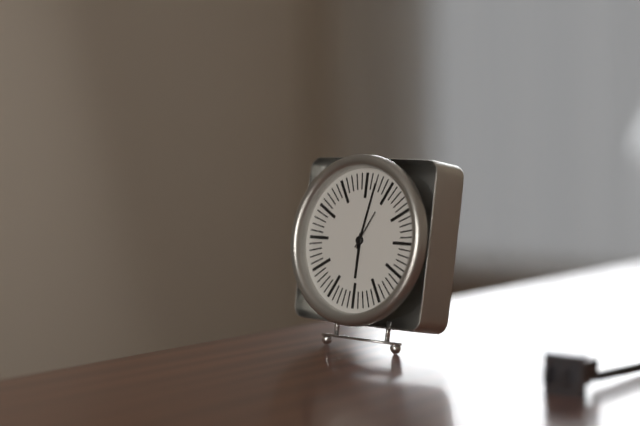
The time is **6:02**
